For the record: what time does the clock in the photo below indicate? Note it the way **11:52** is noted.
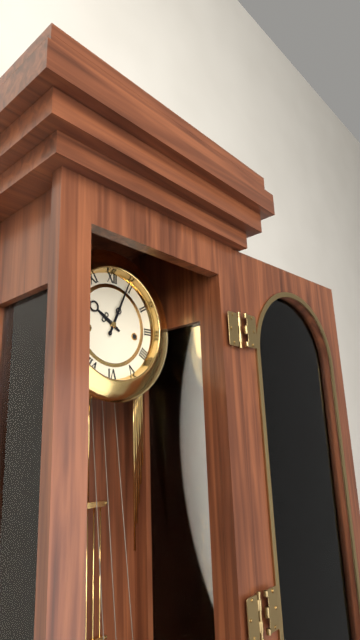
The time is **10:04**
